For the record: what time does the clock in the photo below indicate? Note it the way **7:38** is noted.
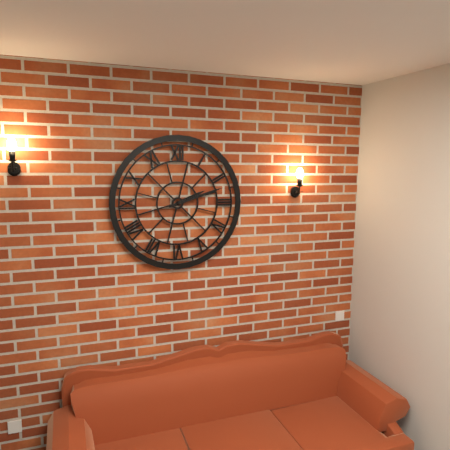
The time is **2:12**
